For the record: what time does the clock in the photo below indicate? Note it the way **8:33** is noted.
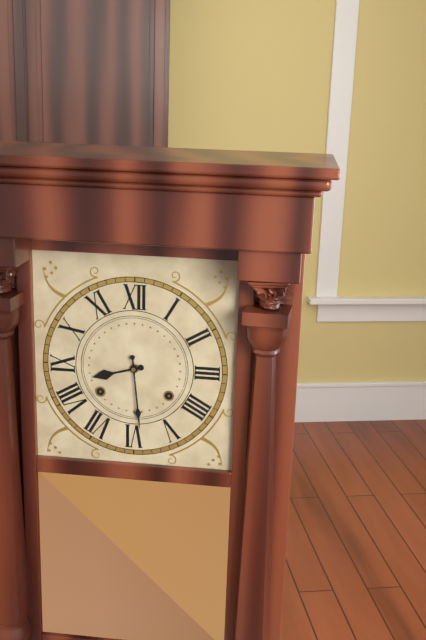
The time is **8:29**
